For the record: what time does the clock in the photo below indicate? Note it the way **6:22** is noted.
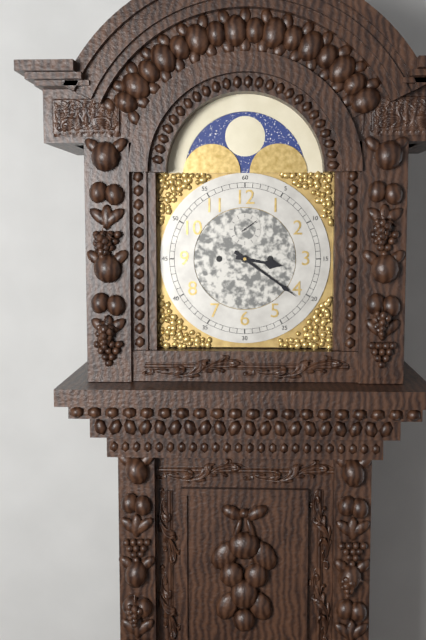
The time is **3:21**
